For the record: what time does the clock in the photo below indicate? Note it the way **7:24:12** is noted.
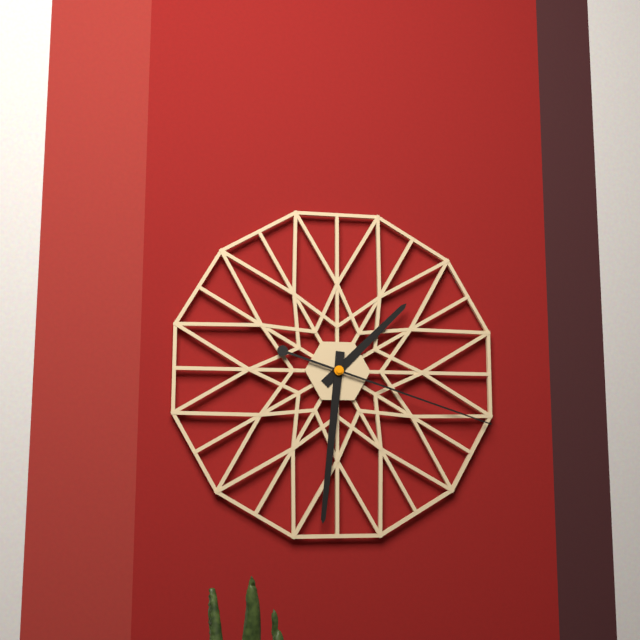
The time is **1:31:18**
